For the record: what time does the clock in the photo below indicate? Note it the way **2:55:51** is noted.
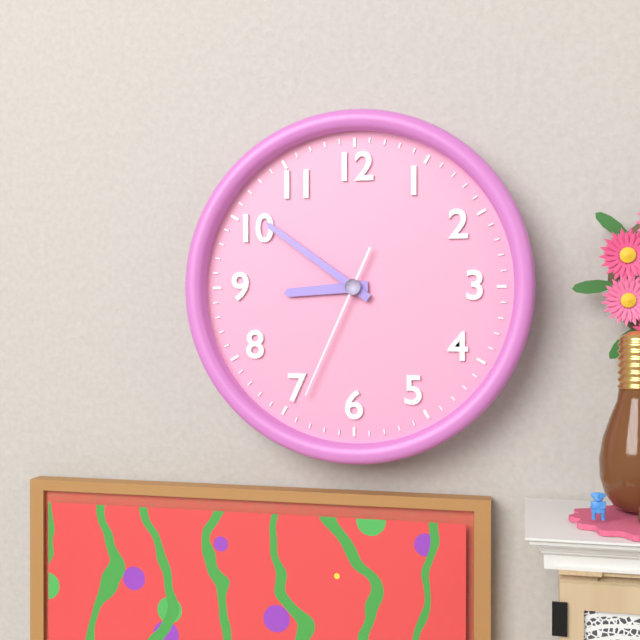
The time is **8:51:34**
